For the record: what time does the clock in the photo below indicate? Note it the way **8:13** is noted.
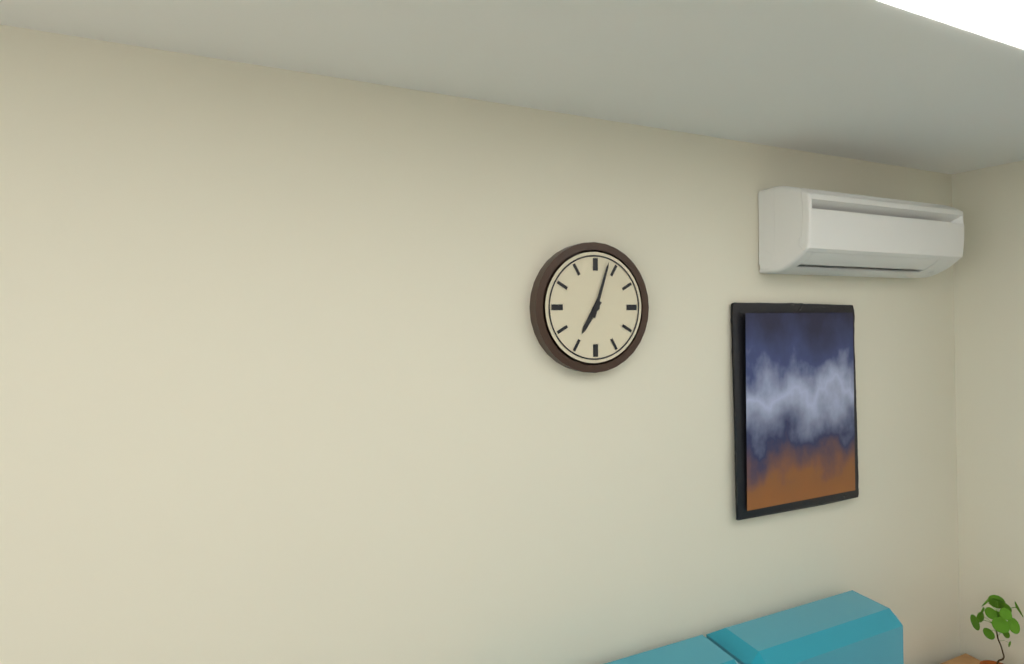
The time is **7:03**
